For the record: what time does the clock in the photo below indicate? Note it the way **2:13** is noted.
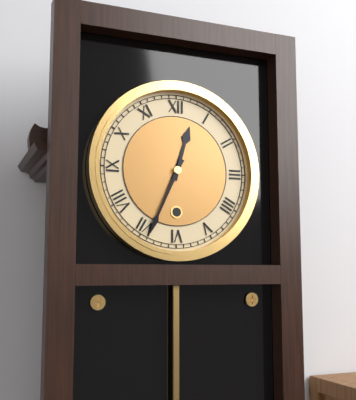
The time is **12:34**
